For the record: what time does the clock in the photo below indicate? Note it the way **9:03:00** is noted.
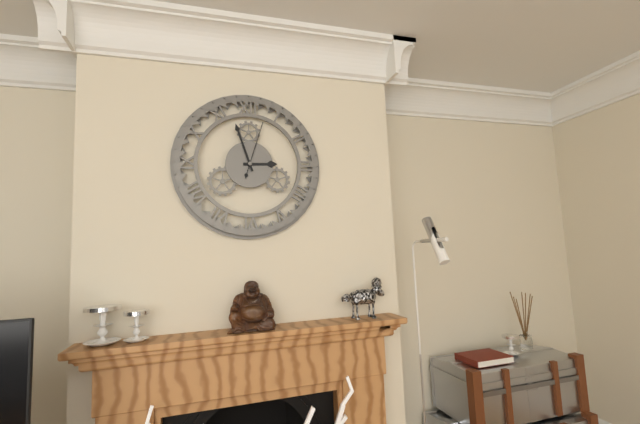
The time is **2:57:03**
